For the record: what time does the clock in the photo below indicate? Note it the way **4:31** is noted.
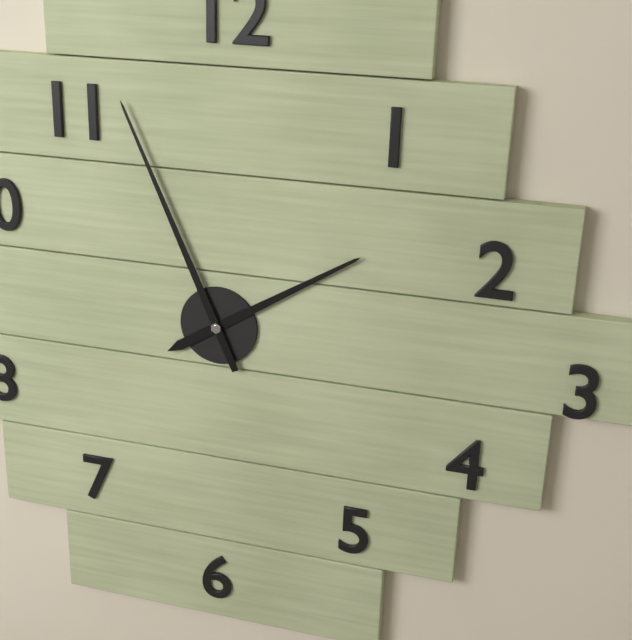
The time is **1:56**
